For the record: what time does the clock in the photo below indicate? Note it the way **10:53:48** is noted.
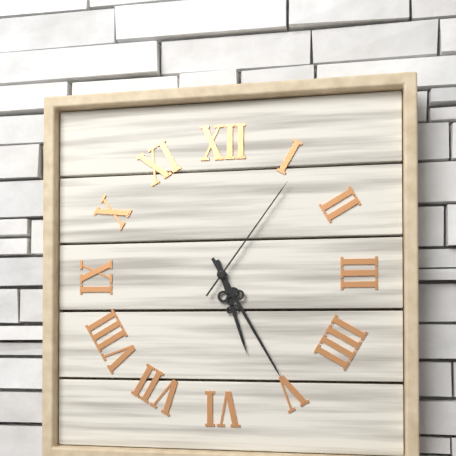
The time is **5:25:06**
